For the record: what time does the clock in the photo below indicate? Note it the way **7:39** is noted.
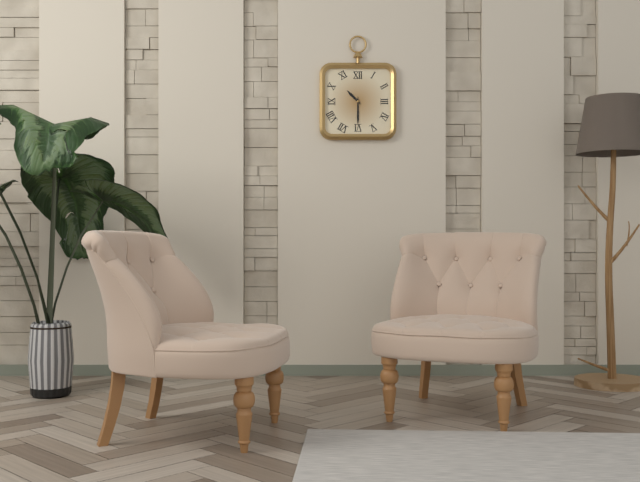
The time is **10:30**
